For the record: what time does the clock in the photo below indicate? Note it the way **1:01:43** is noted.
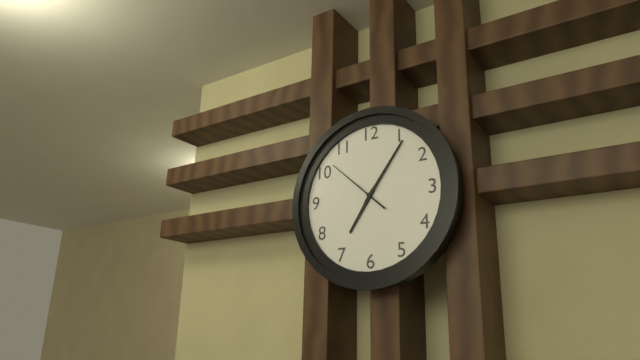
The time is **7:06:52**
